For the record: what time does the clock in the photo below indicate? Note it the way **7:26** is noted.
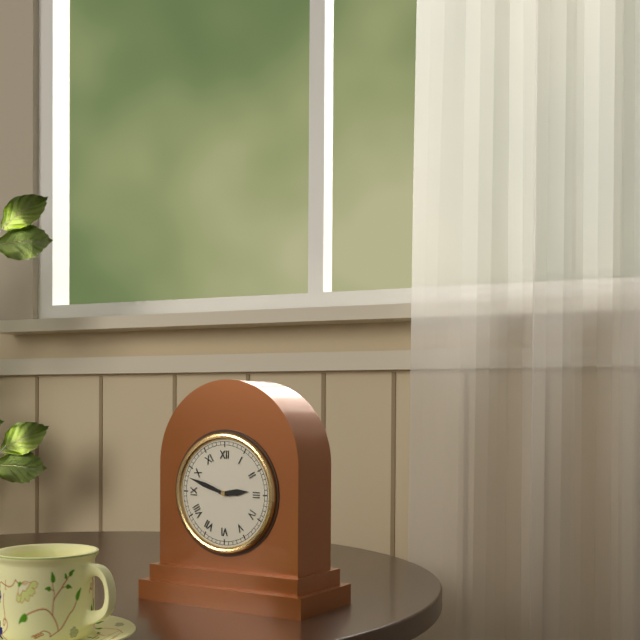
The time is **2:48**
